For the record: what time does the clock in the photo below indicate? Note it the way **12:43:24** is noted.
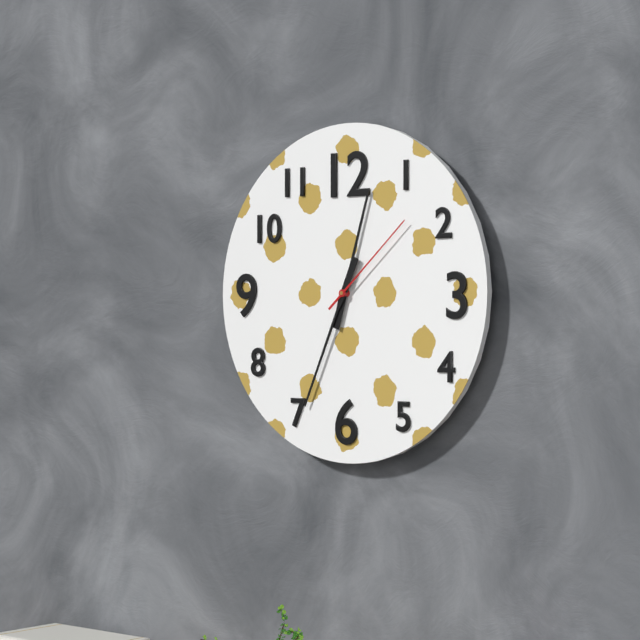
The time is **12:34:08**
